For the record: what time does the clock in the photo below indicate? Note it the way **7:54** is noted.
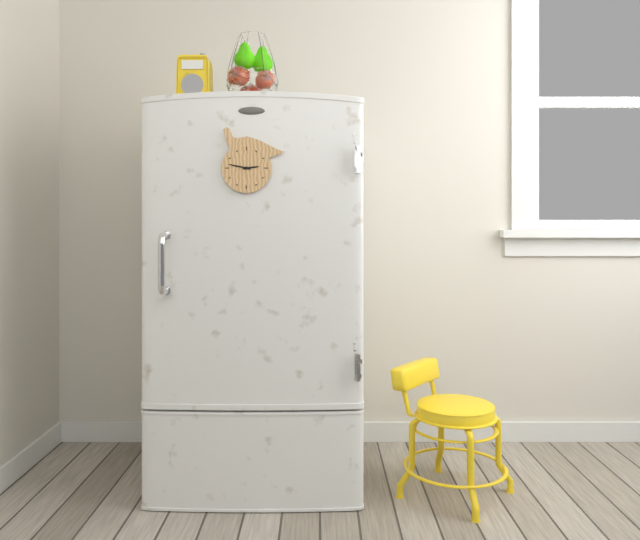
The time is **2:47**
